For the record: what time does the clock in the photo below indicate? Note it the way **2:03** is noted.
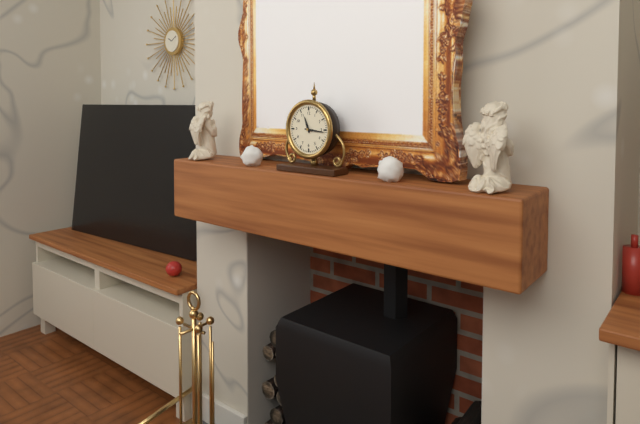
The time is **11:16**
